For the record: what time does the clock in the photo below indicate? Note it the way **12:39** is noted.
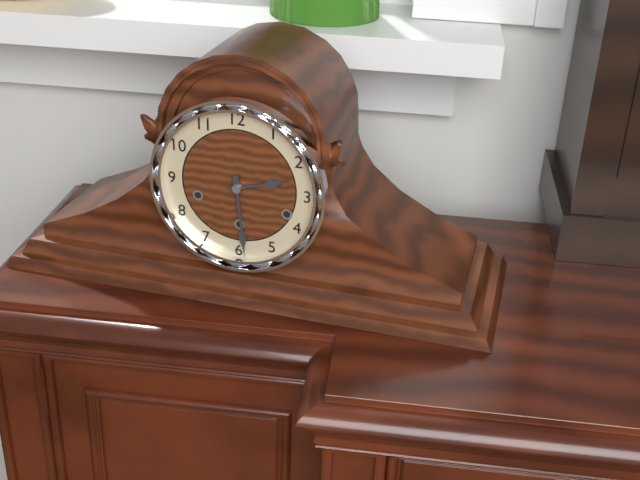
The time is **2:29**
